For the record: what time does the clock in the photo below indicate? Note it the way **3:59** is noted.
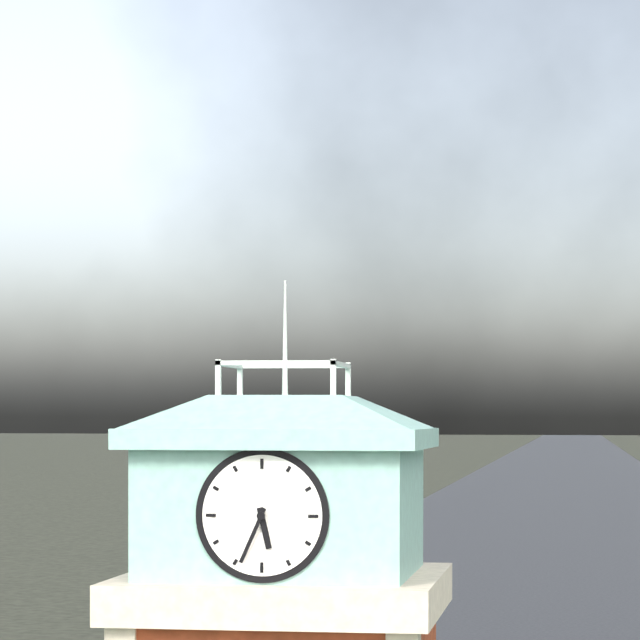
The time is **5:34**
